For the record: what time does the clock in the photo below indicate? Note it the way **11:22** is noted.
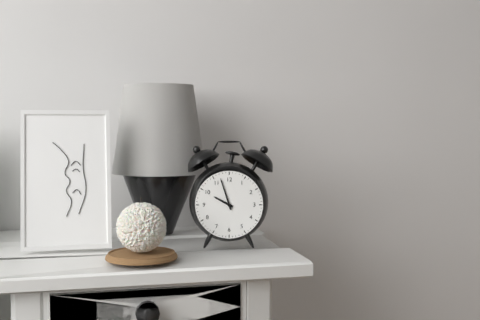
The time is **9:57**
